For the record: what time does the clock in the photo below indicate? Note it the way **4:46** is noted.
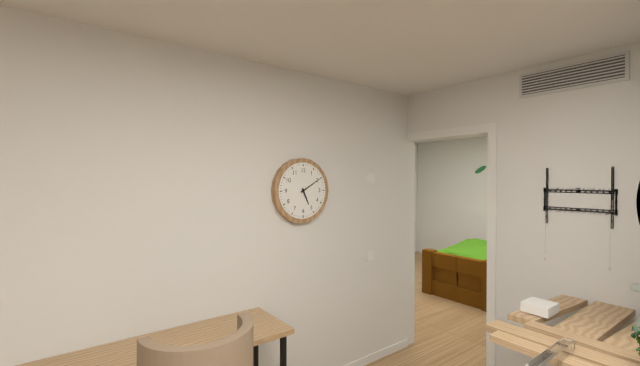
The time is **5:10**
